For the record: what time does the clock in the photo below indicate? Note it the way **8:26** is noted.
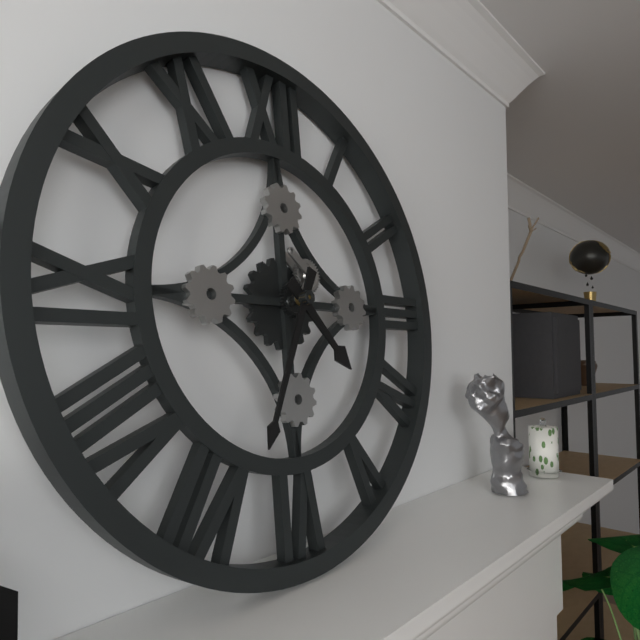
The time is **4:34**
